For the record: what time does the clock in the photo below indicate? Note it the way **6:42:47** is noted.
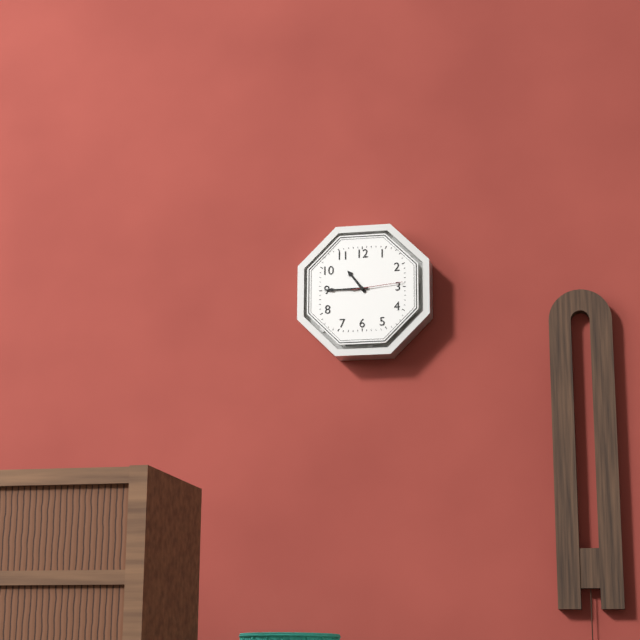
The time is **10:45:14**
